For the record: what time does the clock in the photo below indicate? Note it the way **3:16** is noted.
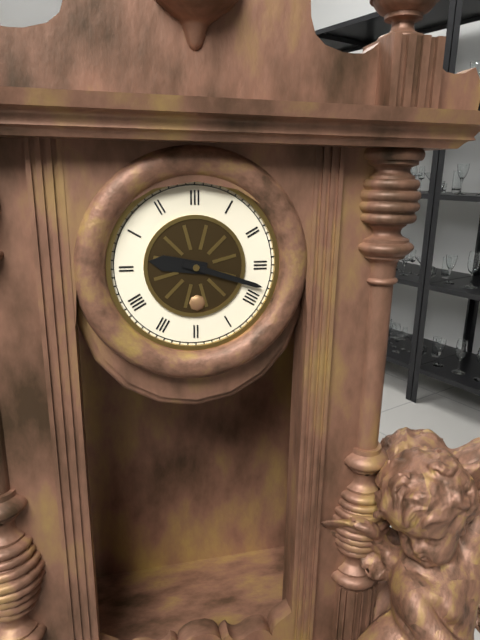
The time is **9:18**
